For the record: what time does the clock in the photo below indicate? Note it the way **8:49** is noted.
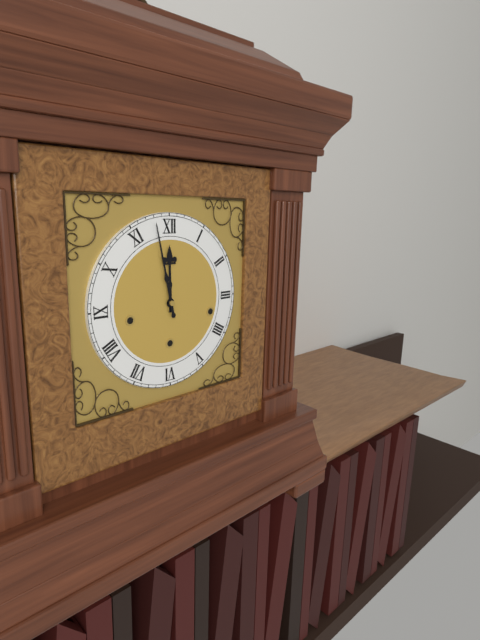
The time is **11:58**
